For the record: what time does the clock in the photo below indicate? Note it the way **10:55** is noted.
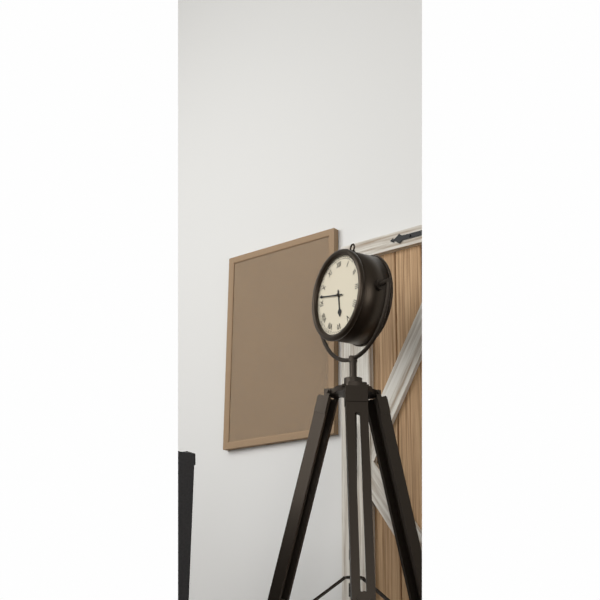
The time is **5:47**
